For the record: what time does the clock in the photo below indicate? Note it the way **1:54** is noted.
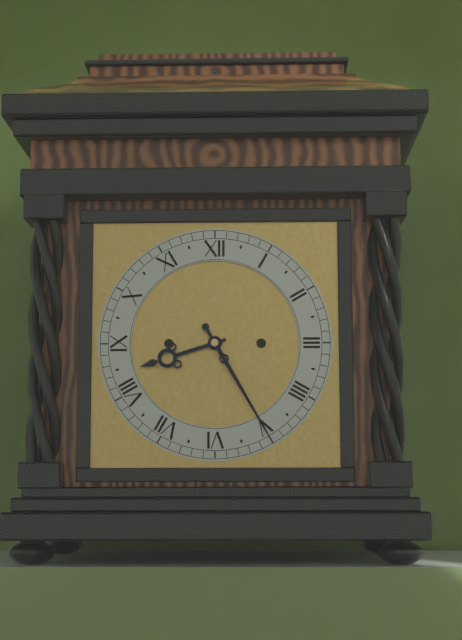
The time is **8:25**
